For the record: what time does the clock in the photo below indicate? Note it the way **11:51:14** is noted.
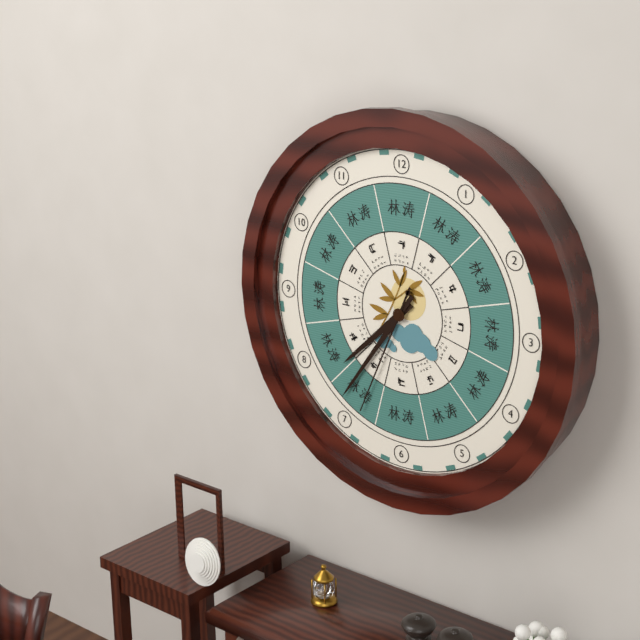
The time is **7:36:34**
